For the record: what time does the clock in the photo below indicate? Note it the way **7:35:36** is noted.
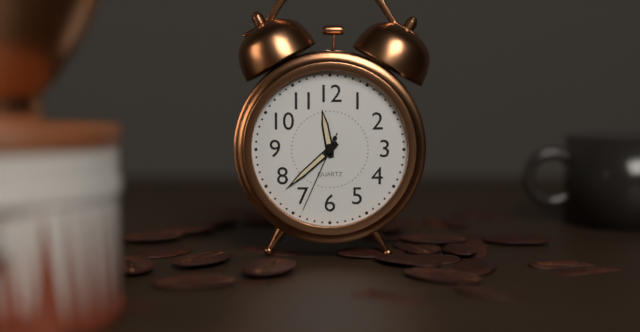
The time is **11:38:34**
